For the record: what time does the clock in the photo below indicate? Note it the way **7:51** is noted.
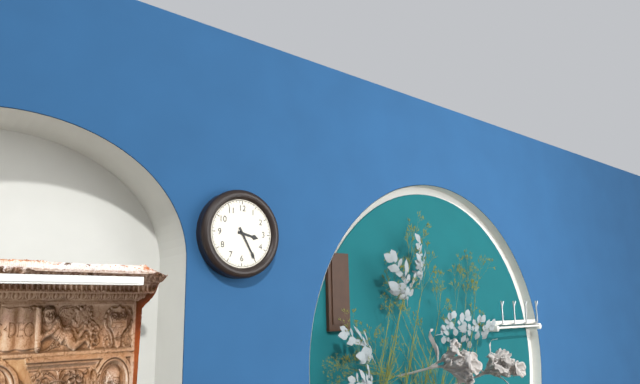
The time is **3:25**
